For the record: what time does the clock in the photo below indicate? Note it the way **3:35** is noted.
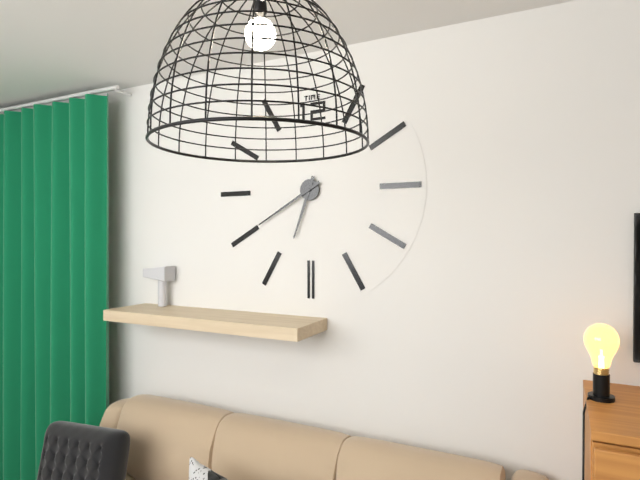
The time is **6:40**
